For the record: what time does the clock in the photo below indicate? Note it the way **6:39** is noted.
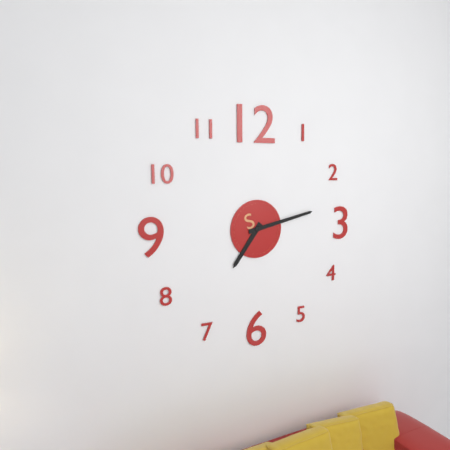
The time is **7:13**
